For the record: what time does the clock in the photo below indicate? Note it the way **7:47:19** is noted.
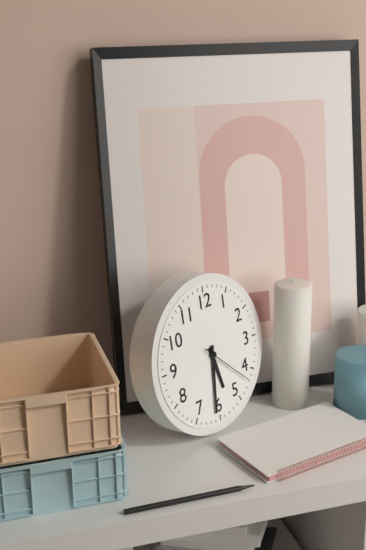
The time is **5:31:22**
